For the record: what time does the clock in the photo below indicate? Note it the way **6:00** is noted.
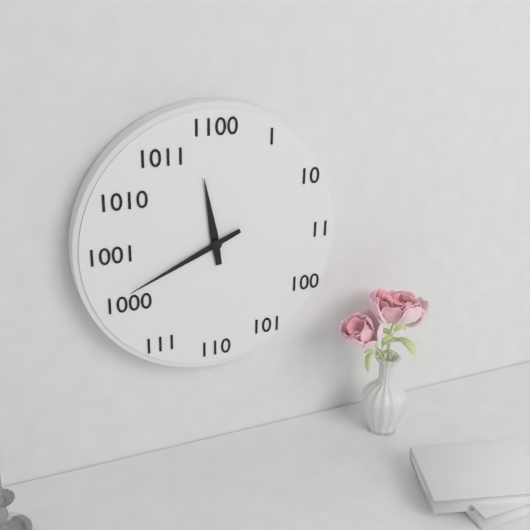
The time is **11:41**
